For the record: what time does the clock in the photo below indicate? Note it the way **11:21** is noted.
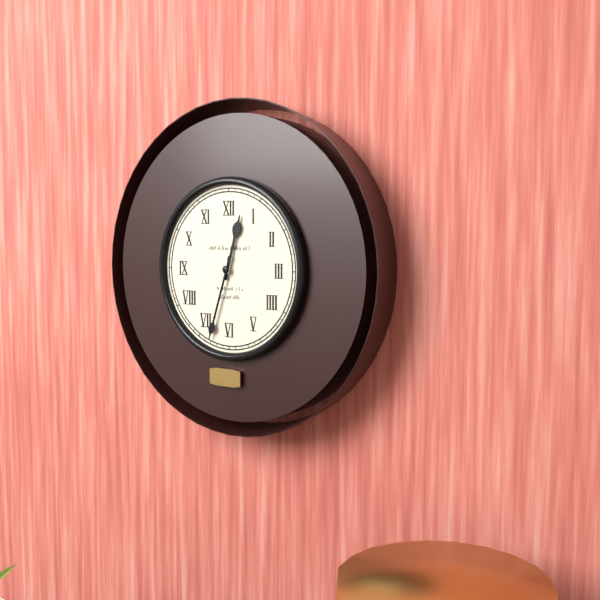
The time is **12:33**
